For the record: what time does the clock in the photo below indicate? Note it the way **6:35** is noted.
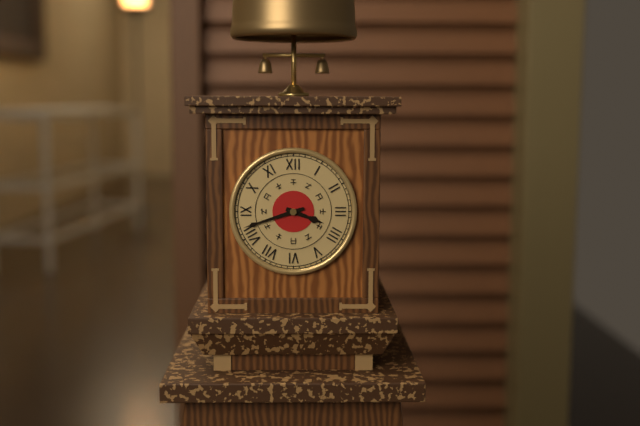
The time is **3:42**
